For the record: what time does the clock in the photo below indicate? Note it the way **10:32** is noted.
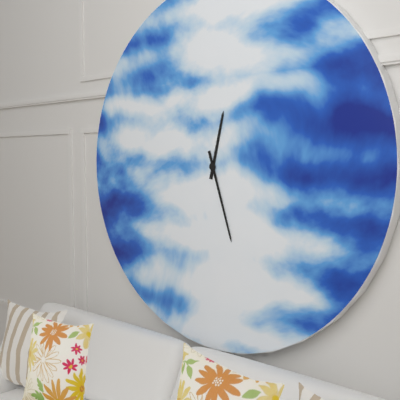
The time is **12:27**
